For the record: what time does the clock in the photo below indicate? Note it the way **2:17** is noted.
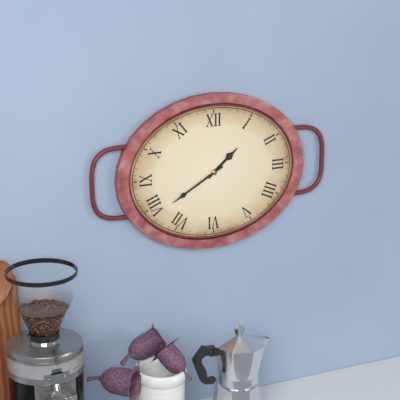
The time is **1:40**
